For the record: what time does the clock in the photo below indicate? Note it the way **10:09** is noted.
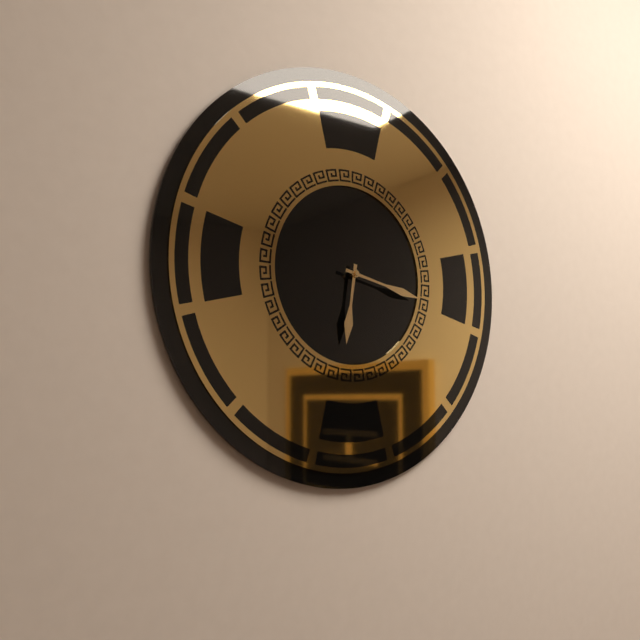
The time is **6:17**
